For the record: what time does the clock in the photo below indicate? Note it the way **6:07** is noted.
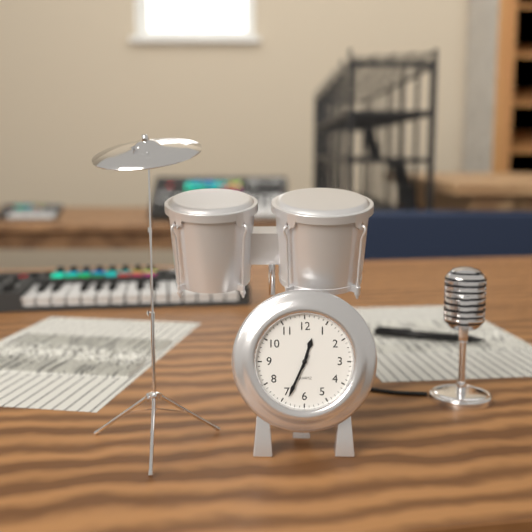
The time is **12:34**
